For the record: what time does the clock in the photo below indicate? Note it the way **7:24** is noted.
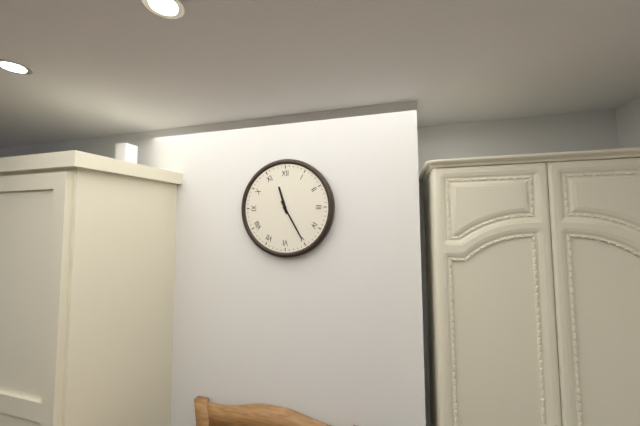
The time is **11:25**
